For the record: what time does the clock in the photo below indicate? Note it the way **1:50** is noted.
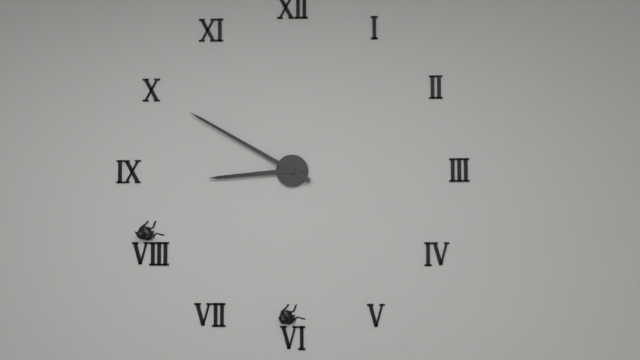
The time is **8:50**
